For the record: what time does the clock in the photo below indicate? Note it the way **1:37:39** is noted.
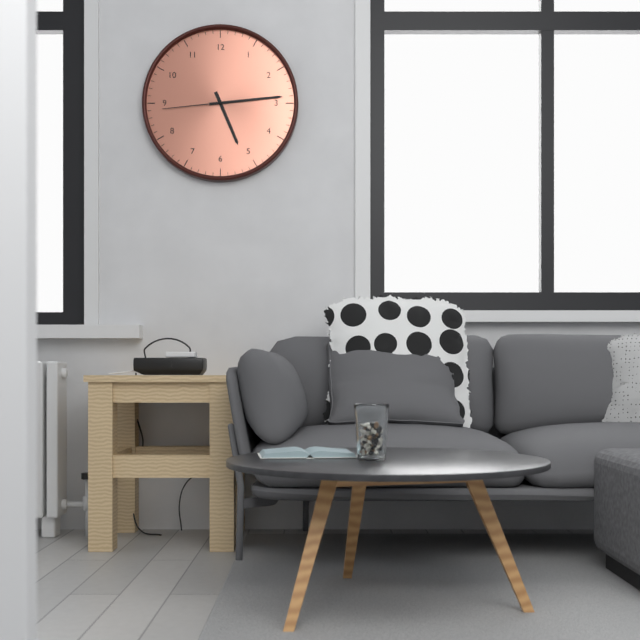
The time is **5:14:44**
